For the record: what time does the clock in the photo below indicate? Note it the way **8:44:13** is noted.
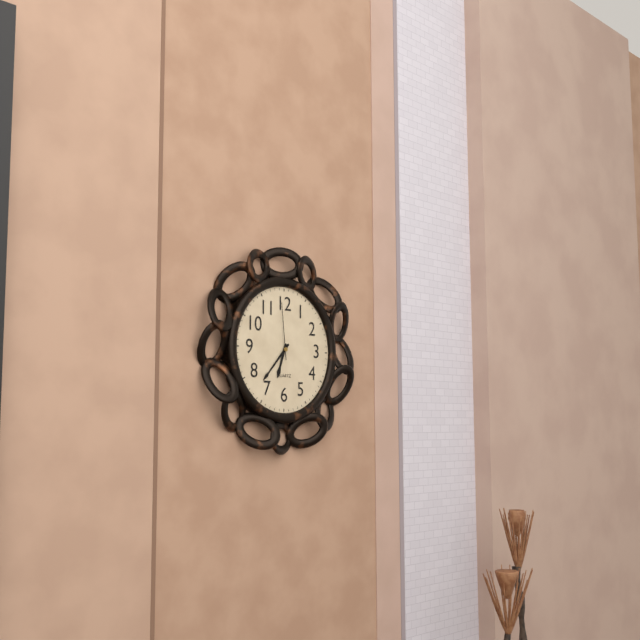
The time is **6:37:59**
